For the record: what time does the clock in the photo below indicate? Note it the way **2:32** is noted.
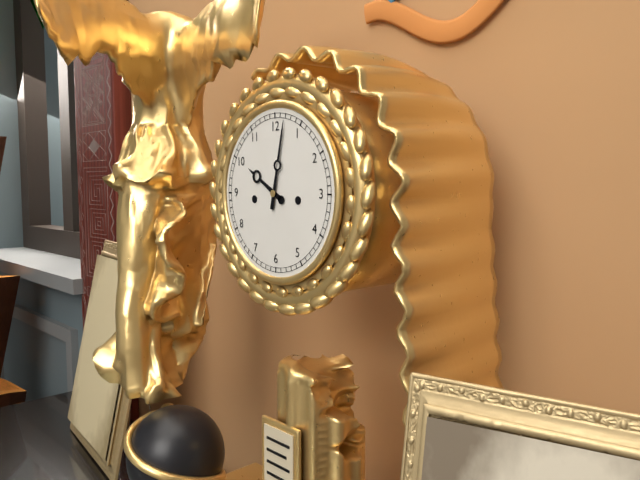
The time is **10:02**
